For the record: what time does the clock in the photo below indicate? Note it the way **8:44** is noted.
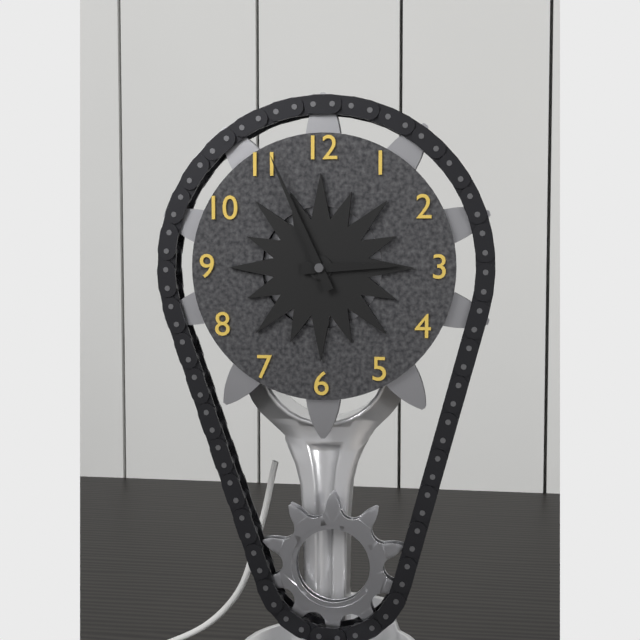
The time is **2:56**
